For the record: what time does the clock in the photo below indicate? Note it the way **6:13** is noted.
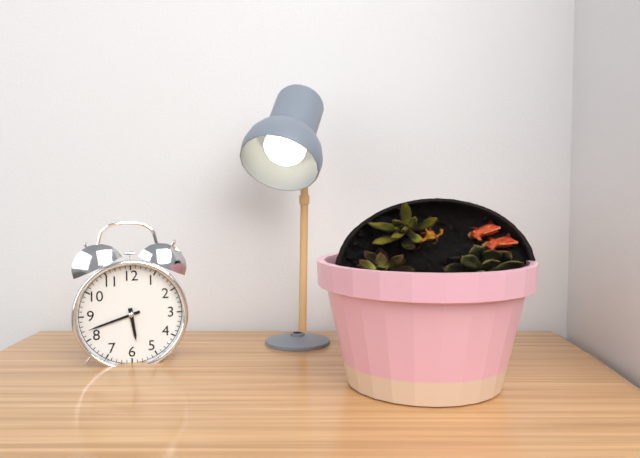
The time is **5:42**
